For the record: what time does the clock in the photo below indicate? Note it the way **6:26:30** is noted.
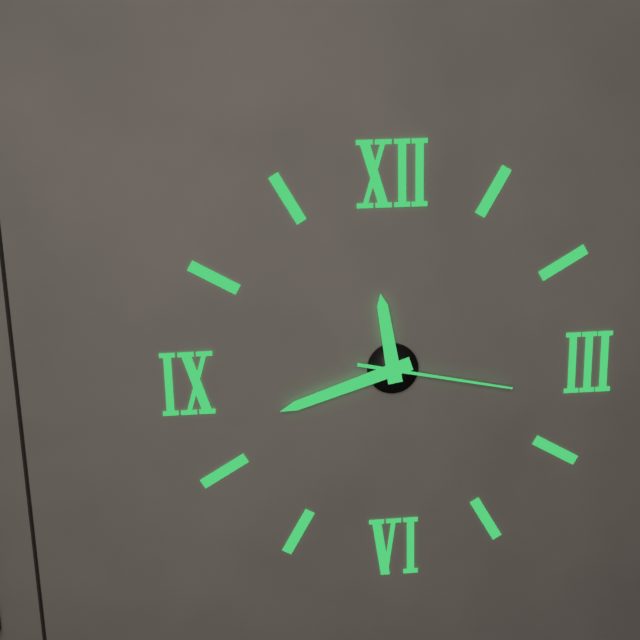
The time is **11:42:17**
